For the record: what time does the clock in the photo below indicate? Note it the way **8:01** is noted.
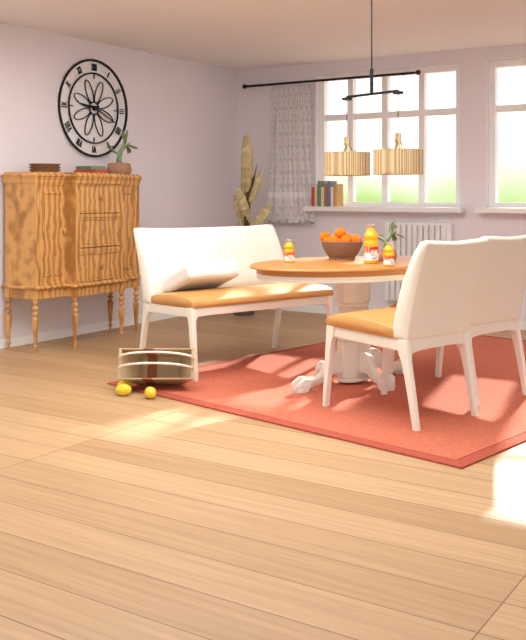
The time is **9:19**
